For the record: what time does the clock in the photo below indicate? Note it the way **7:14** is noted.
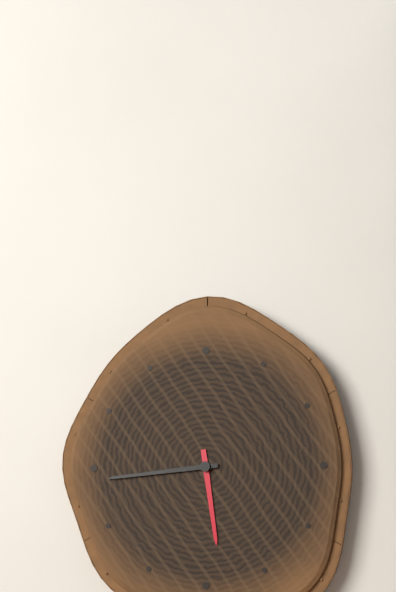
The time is **5:44**
